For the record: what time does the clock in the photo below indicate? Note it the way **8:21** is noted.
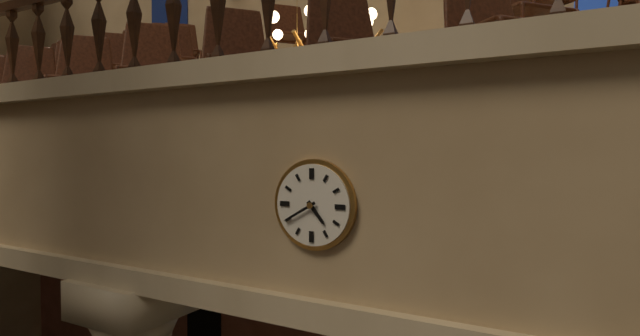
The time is **4:40**
